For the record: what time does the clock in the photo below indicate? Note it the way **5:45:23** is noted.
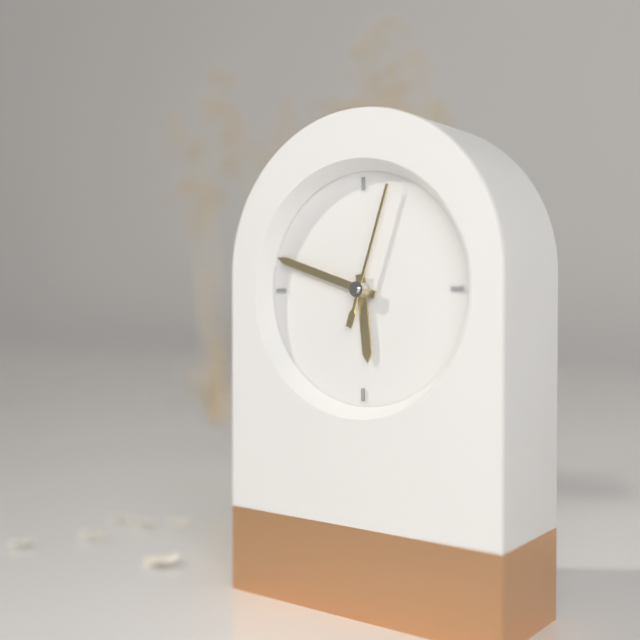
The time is **5:48:03**
